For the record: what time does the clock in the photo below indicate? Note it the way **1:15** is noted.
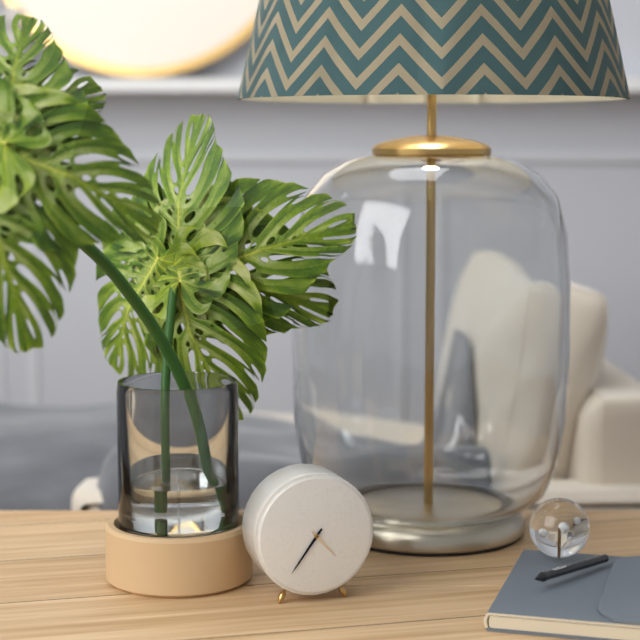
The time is **4:36**
